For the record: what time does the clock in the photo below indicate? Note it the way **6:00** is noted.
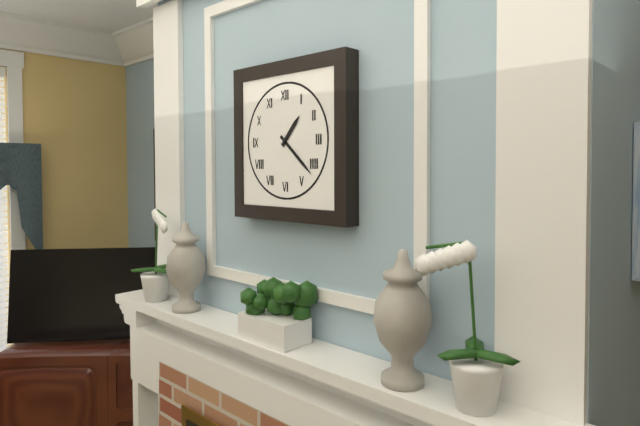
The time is **1:22**
